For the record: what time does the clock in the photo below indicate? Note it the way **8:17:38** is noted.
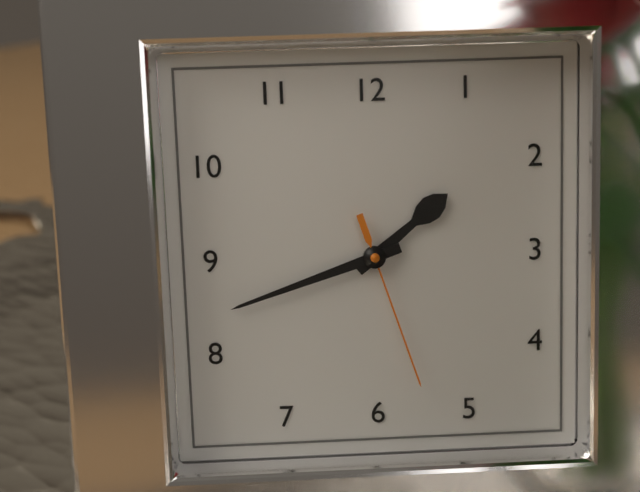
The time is **1:42:27**
